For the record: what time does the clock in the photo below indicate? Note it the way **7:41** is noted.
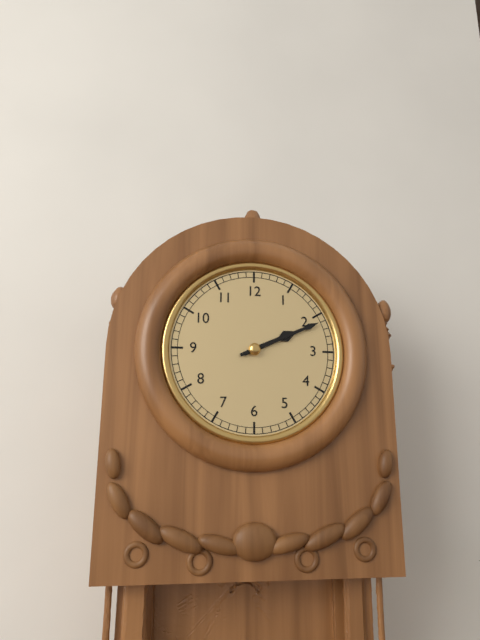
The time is **2:11**
